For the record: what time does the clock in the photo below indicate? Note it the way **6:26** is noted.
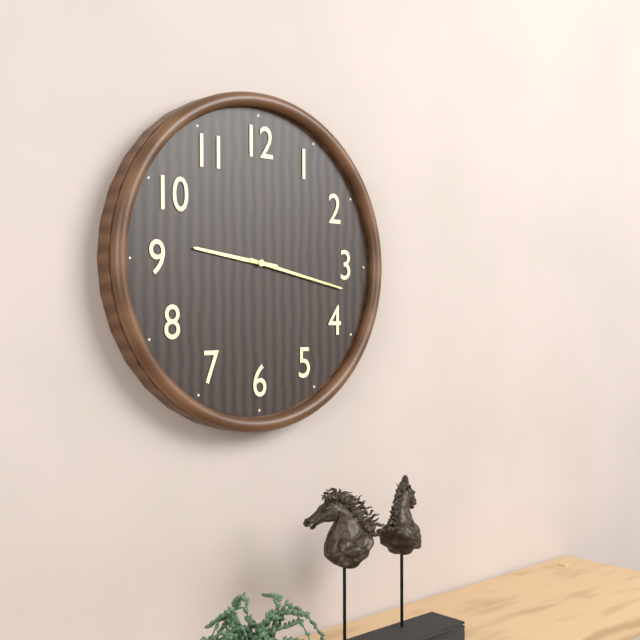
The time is **9:17**
